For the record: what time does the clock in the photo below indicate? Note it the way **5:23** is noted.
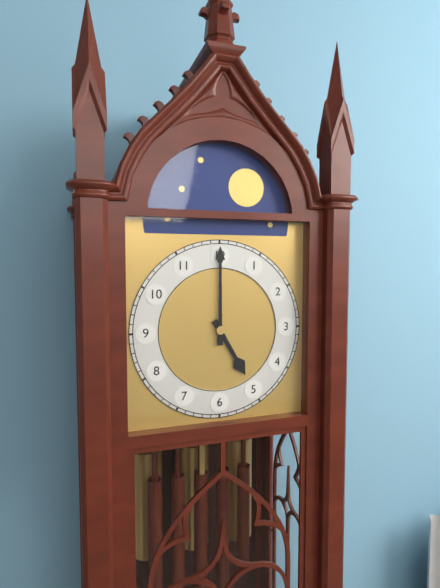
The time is **5:00**
